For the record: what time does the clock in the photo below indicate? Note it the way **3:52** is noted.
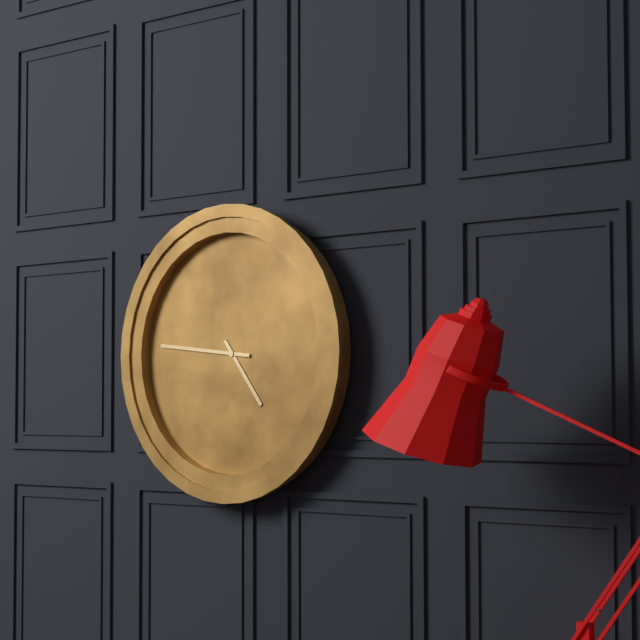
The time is **4:46**
